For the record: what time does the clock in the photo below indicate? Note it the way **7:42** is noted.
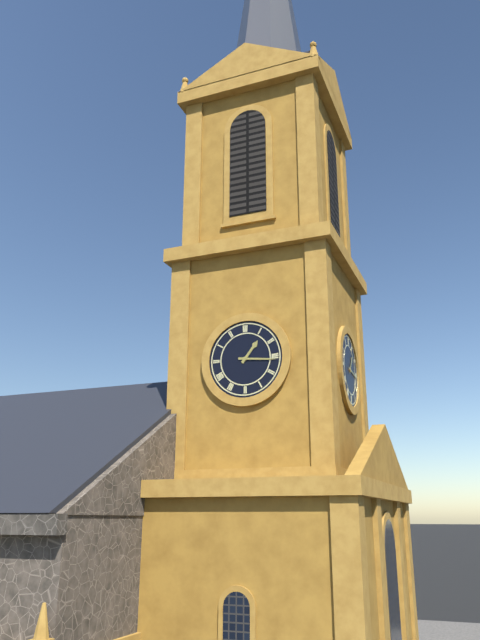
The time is **1:16**
